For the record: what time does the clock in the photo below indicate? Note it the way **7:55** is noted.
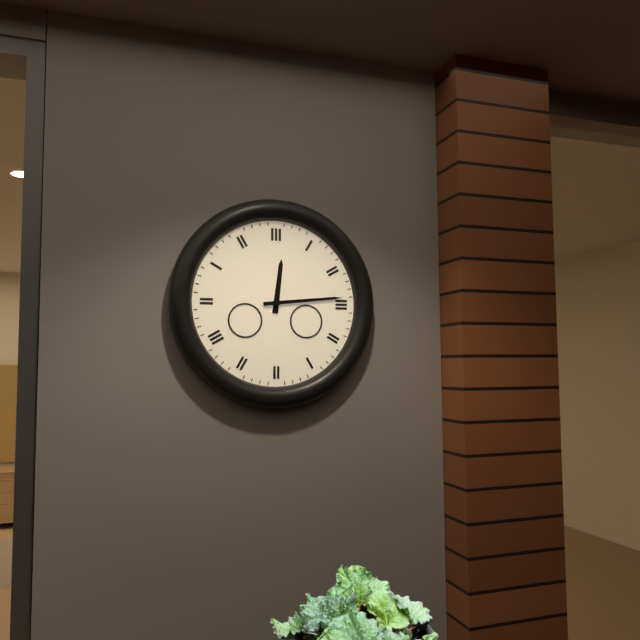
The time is **12:14**
